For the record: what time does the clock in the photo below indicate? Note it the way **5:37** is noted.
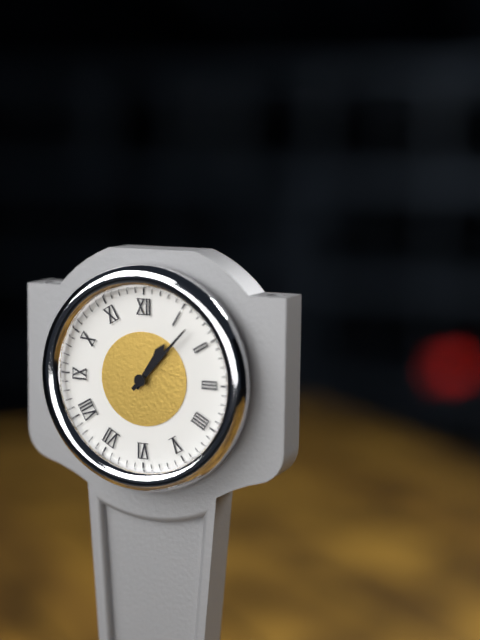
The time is **1:07**
